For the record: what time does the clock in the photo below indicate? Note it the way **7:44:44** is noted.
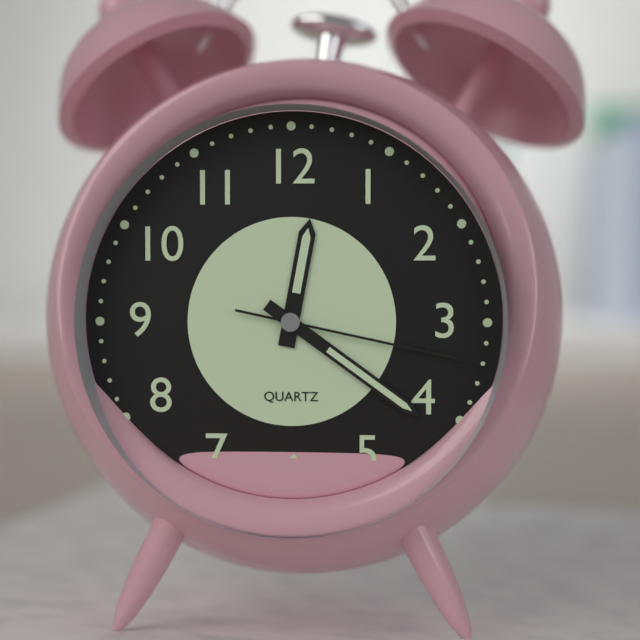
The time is **12:21:17**
